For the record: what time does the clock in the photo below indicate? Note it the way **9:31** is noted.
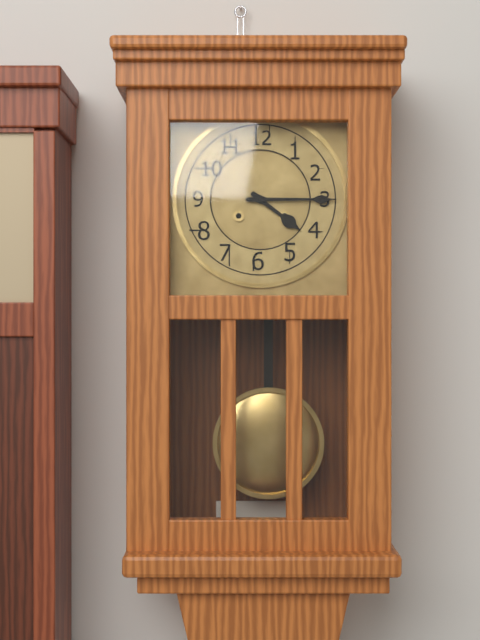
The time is **4:15**
